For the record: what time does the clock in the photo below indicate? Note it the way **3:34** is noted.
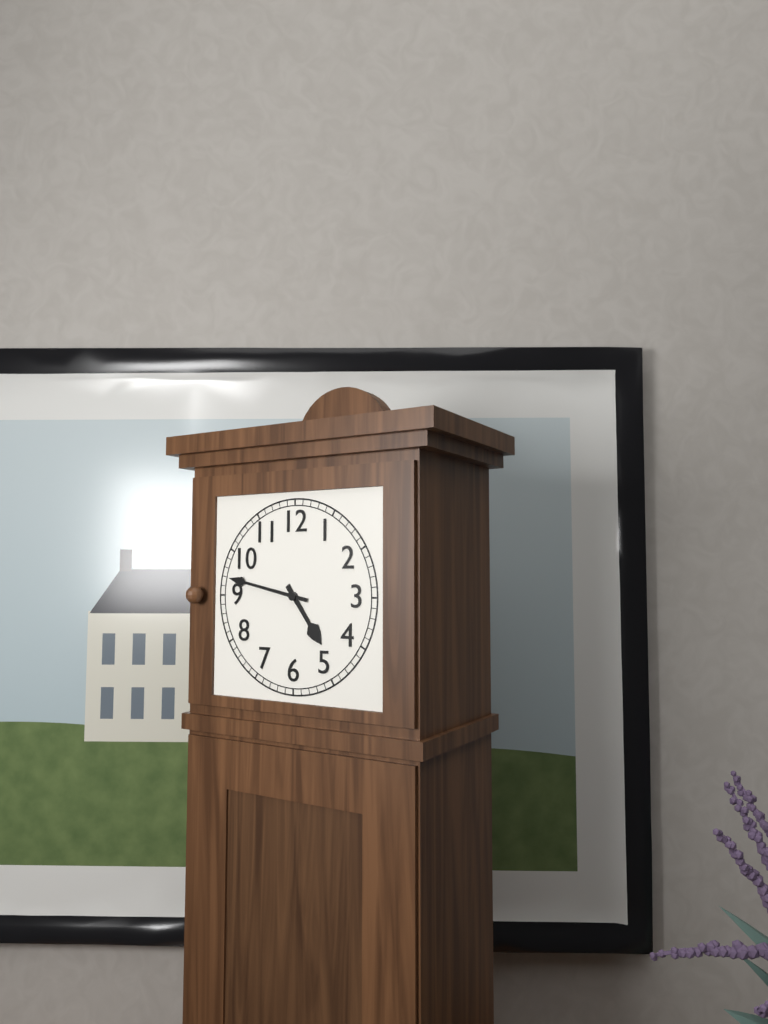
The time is **4:47**
